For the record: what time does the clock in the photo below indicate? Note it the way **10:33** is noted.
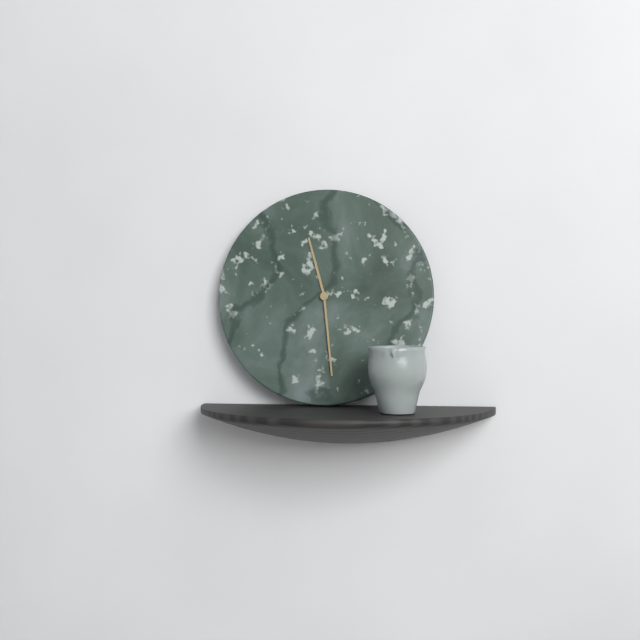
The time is **11:29**
